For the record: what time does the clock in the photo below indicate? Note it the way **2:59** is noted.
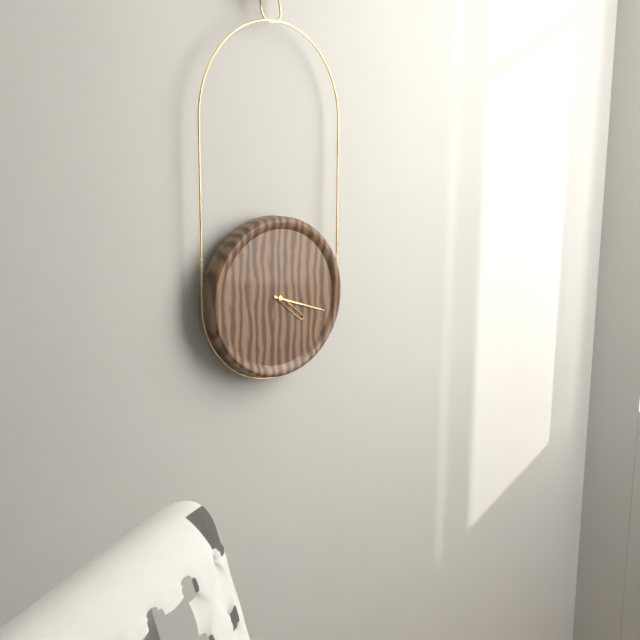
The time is **4:18**
